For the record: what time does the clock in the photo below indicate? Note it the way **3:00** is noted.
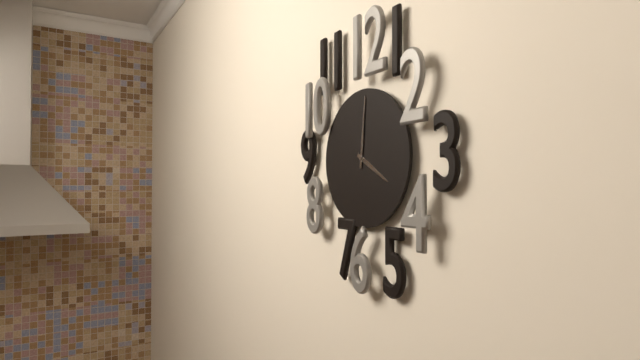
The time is **4:01**
